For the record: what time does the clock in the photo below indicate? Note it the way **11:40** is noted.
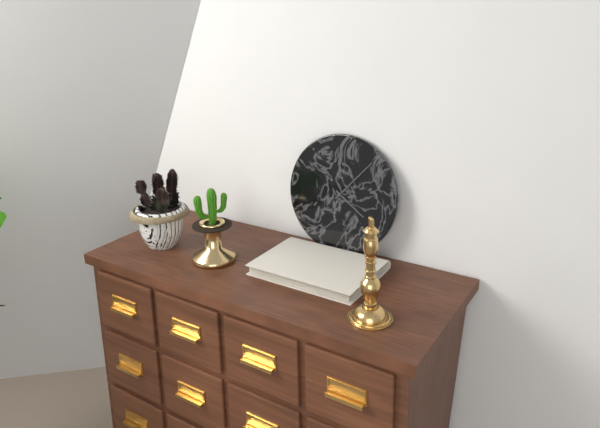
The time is **4:07**
